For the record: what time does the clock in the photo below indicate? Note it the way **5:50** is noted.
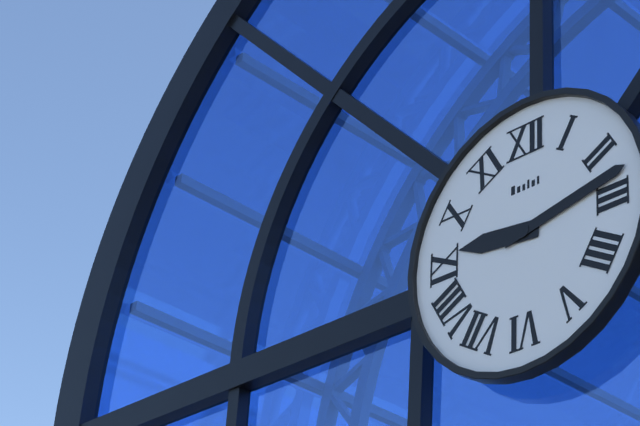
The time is **9:13**
